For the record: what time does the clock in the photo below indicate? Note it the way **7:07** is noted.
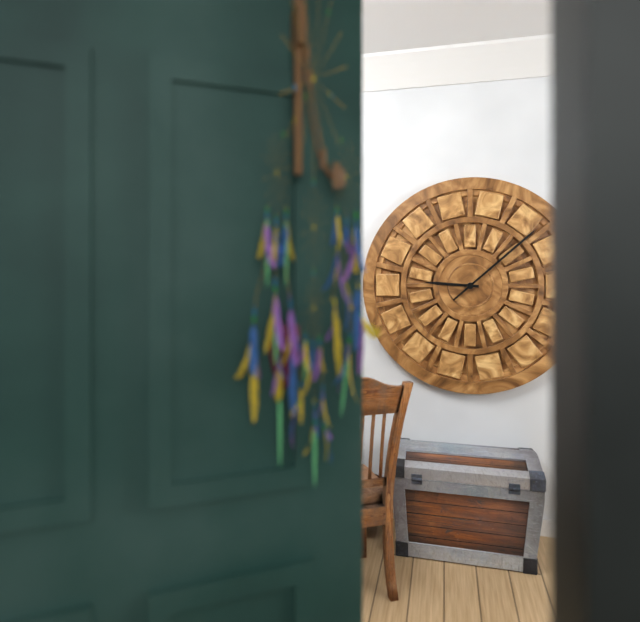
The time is **9:08**
